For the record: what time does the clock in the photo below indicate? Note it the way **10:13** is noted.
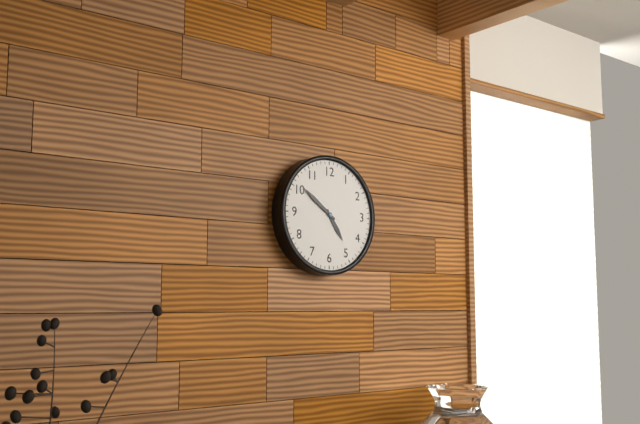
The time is **4:51**
